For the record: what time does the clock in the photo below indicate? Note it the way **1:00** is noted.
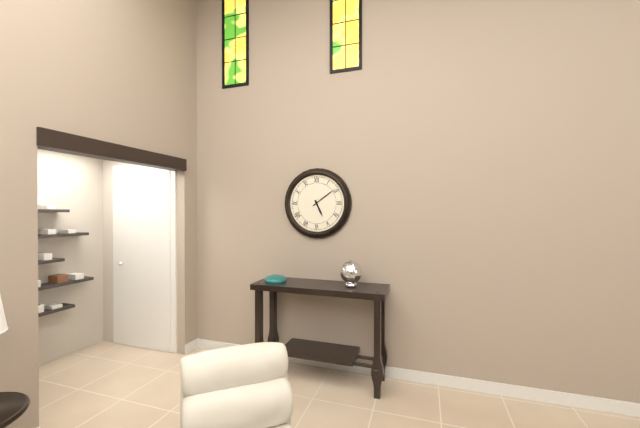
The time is **5:09**
